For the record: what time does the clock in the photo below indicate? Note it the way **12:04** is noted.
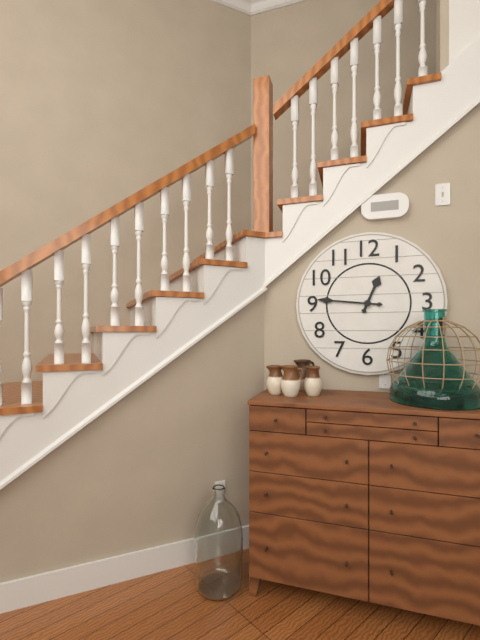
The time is **12:46**
